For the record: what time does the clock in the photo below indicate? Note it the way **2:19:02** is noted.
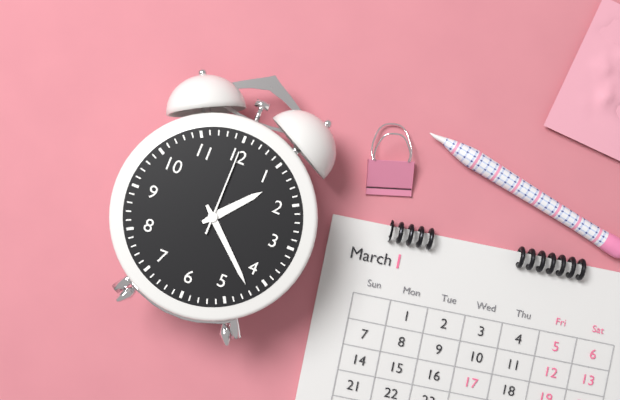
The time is **1:22:00**
